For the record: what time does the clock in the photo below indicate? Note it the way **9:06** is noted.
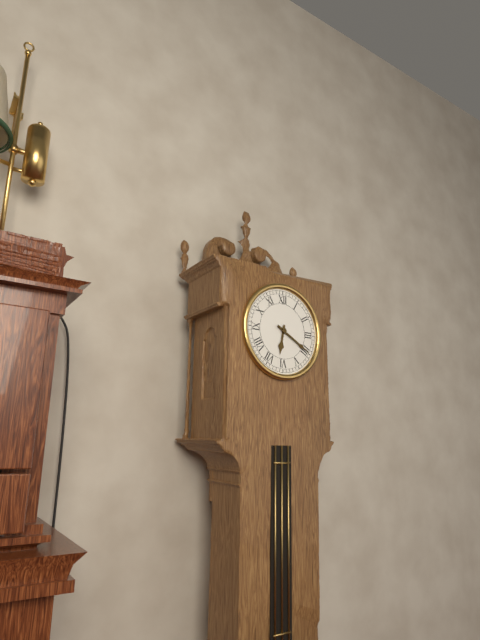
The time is **6:20**
